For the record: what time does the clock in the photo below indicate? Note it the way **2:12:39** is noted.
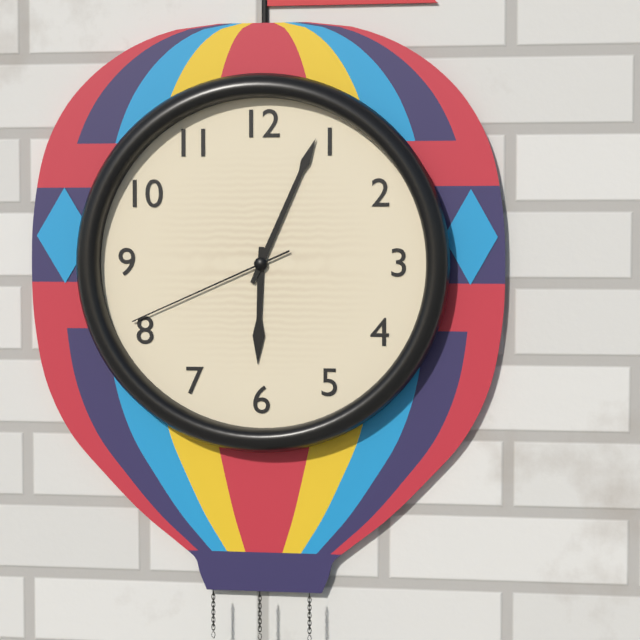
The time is **6:04:41**
